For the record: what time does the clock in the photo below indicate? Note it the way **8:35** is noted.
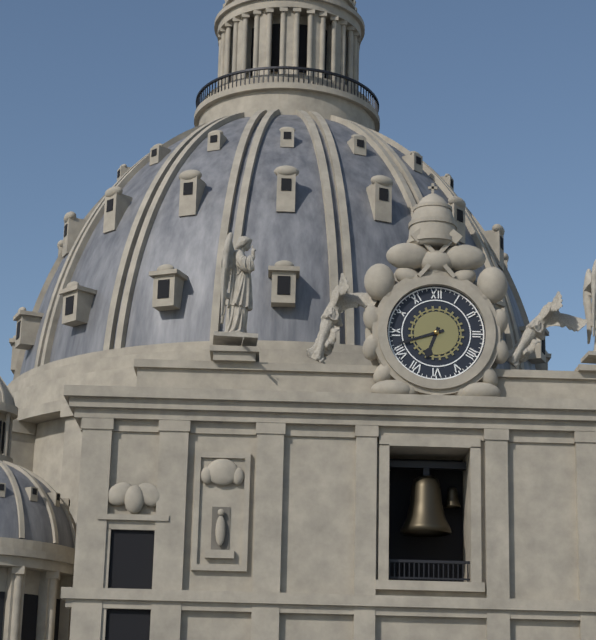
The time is **6:42**
